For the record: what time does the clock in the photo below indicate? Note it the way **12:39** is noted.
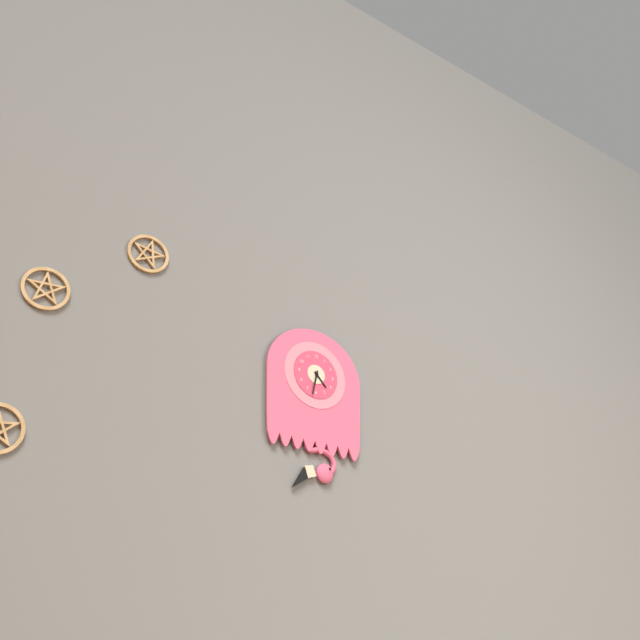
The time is **4:32**
